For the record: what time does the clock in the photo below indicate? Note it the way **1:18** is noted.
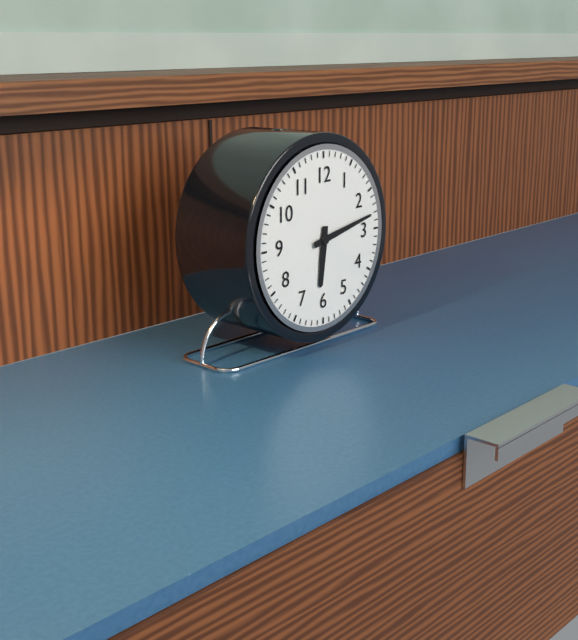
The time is **6:13**
